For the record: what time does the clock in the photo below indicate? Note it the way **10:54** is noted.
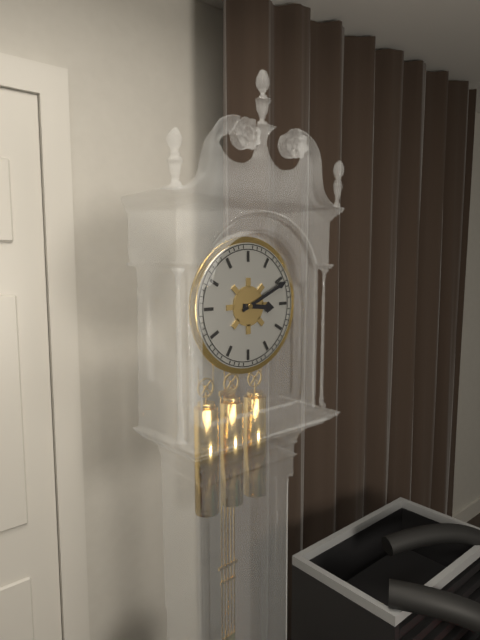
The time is **3:11**
